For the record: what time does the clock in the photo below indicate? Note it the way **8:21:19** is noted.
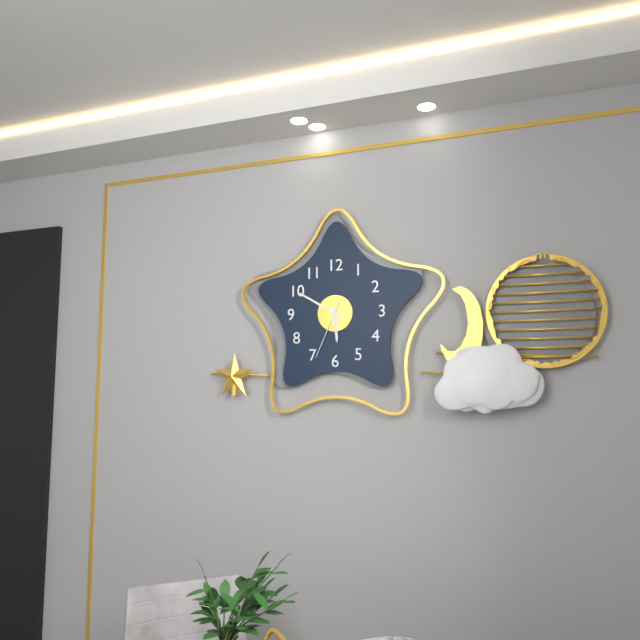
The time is **5:50:34**
